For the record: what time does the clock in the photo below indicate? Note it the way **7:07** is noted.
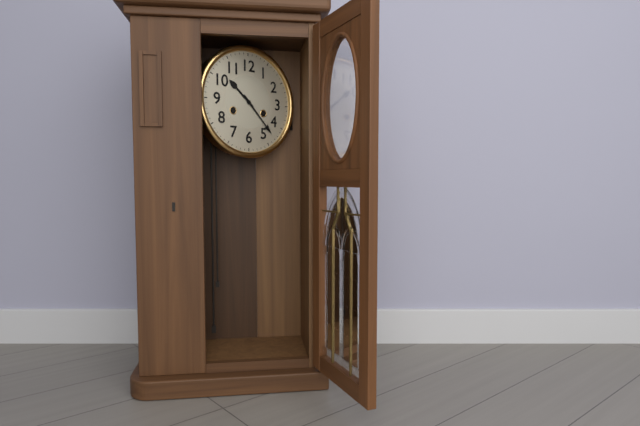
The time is **10:23**
